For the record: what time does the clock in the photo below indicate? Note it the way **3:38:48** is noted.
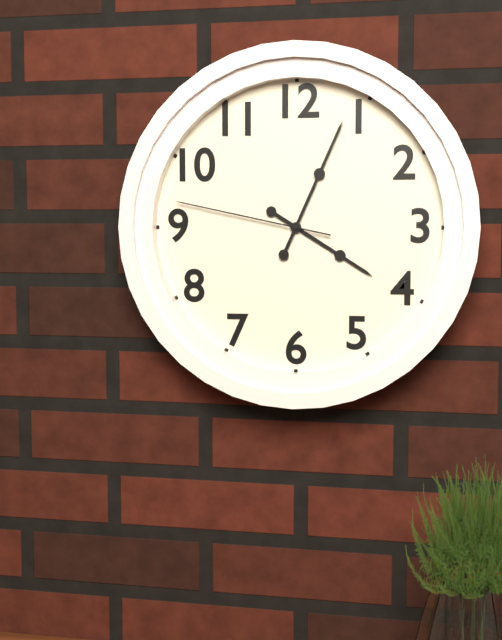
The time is **4:04:47**
